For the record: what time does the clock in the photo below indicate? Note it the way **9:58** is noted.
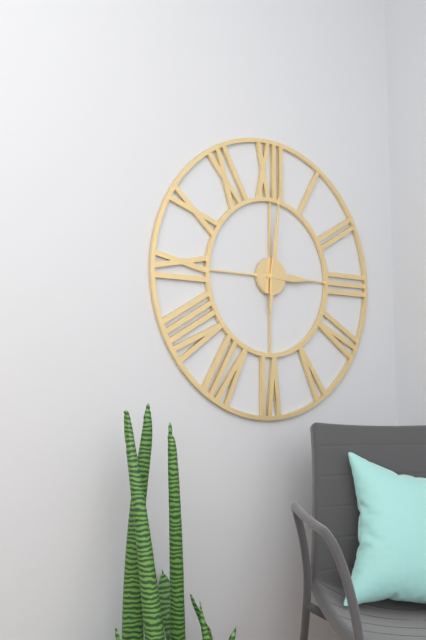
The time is **3:01**
